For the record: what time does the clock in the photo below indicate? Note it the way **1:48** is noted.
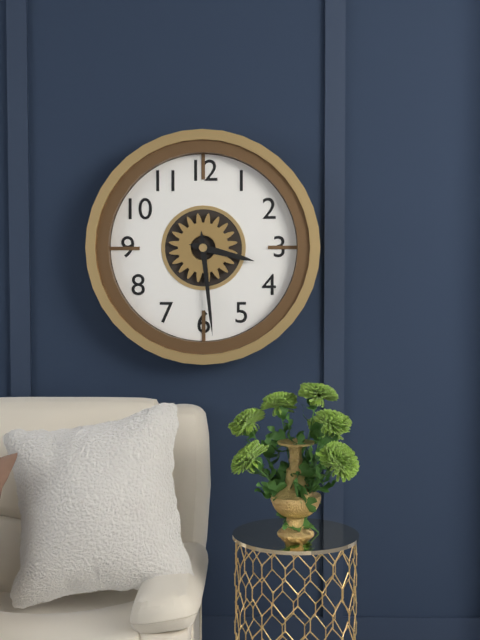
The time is **3:29**
